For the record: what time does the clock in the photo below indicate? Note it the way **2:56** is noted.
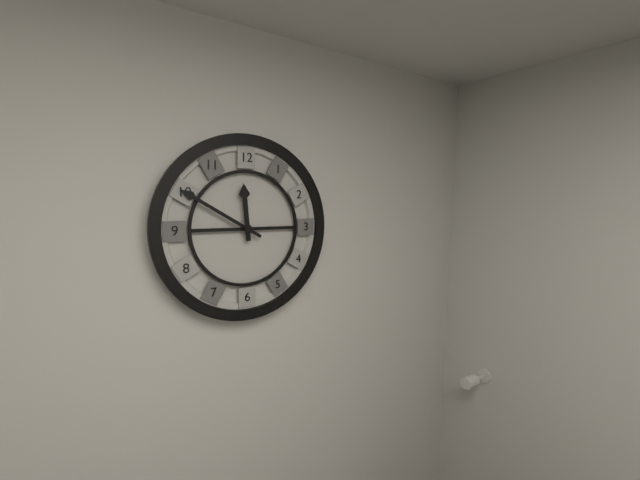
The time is **11:50**
